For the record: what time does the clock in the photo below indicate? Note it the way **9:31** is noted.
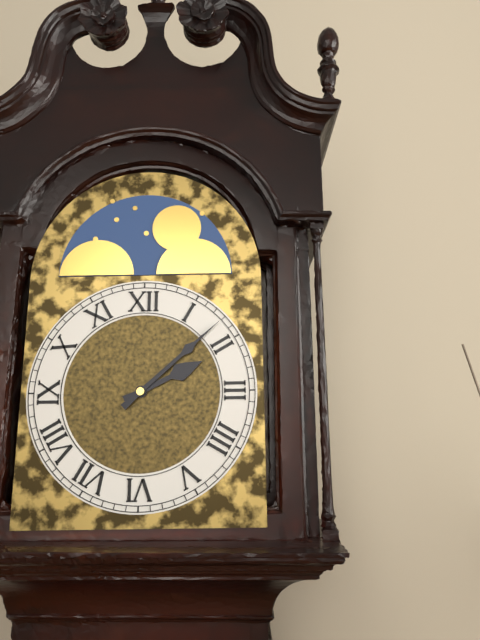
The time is **2:08**
